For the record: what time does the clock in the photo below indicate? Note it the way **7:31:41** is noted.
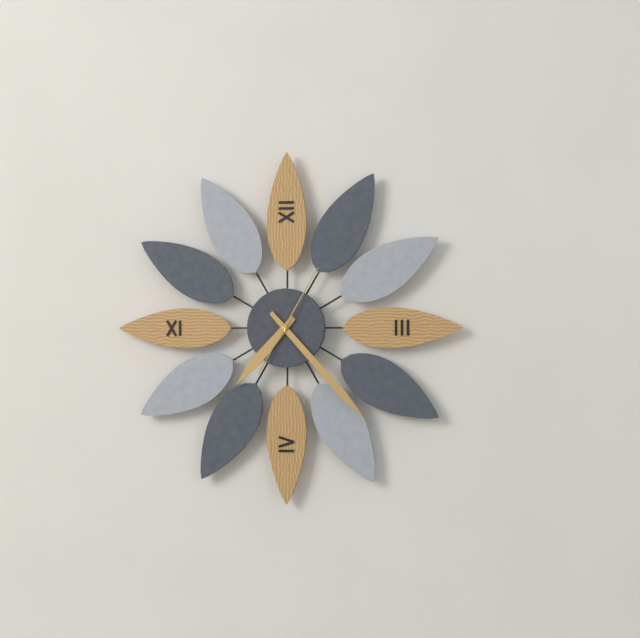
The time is **7:23:05**
